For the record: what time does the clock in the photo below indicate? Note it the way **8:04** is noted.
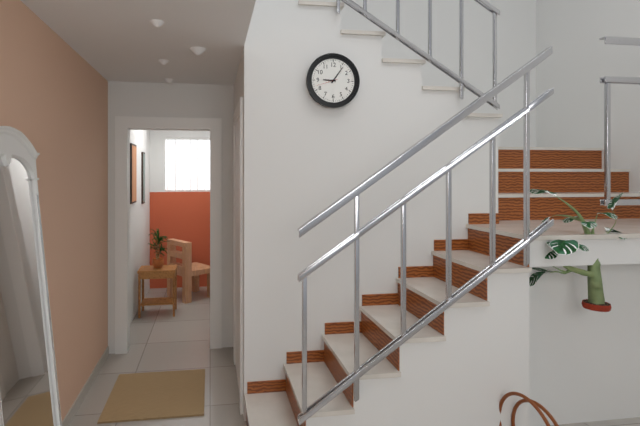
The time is **9:06**
